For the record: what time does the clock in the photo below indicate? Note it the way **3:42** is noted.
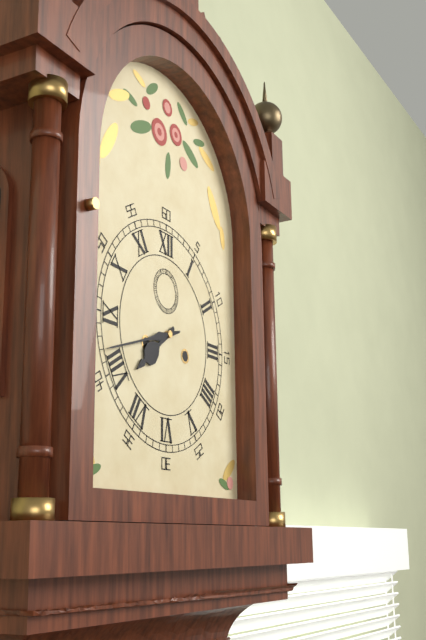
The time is **7:42**
